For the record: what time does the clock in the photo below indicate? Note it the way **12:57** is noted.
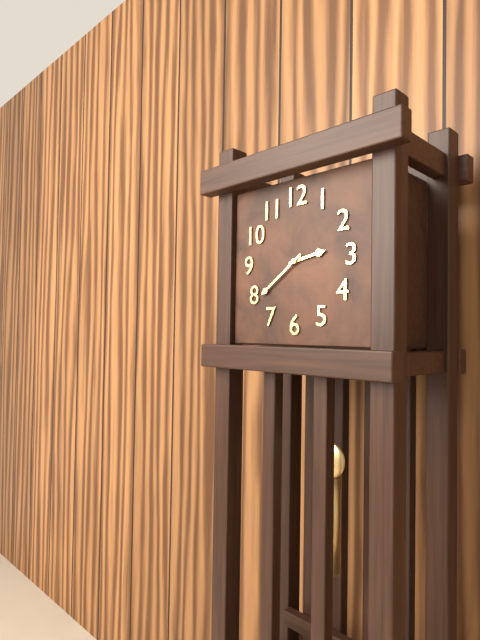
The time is **2:39**
